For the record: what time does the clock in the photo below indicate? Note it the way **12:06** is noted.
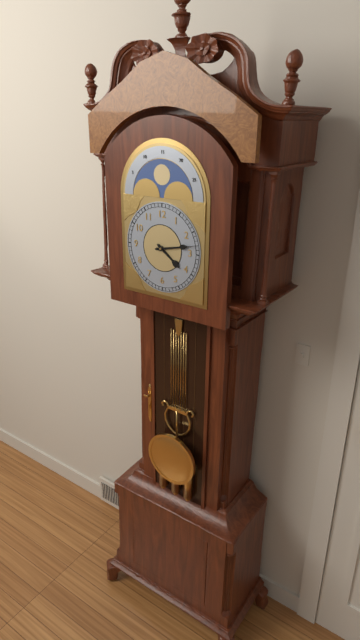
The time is **4:13**
